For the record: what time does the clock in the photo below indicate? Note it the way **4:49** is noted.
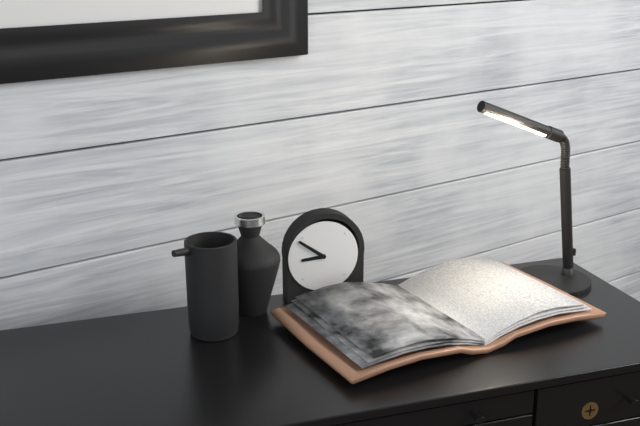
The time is **8:51**
